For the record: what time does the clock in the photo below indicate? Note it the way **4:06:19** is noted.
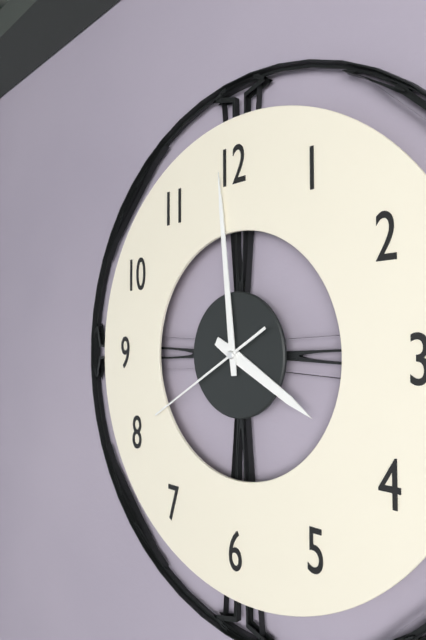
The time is **3:59:40**
